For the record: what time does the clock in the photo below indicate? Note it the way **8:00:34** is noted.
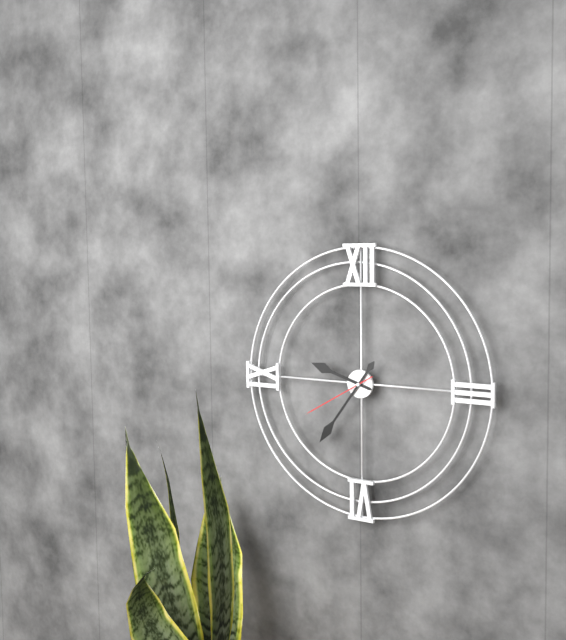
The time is **9:36:40**
